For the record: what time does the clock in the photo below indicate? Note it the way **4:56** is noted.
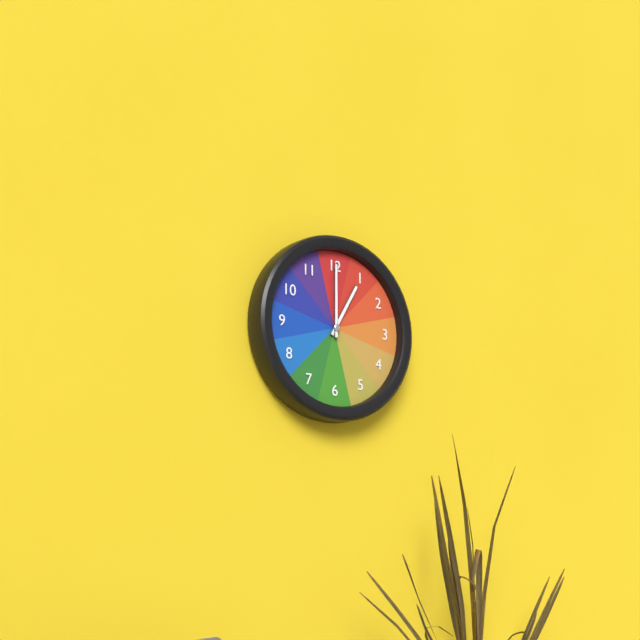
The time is **1:00**
